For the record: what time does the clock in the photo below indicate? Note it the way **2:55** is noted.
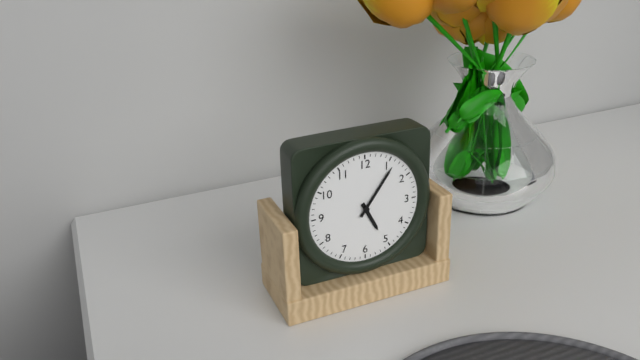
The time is **5:06**
